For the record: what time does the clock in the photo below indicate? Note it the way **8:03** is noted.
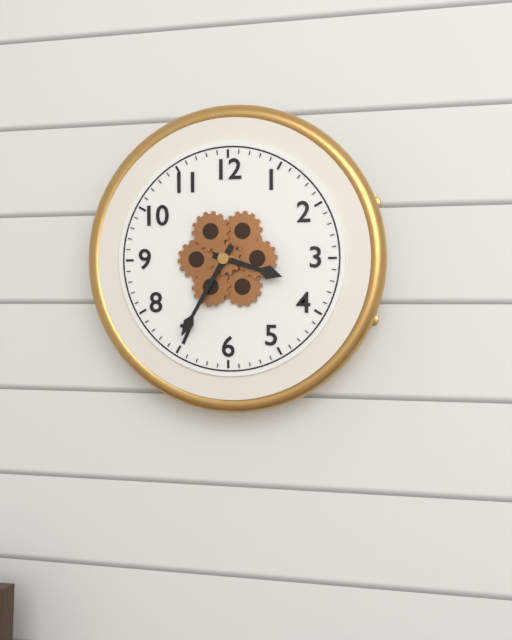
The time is **3:35**
